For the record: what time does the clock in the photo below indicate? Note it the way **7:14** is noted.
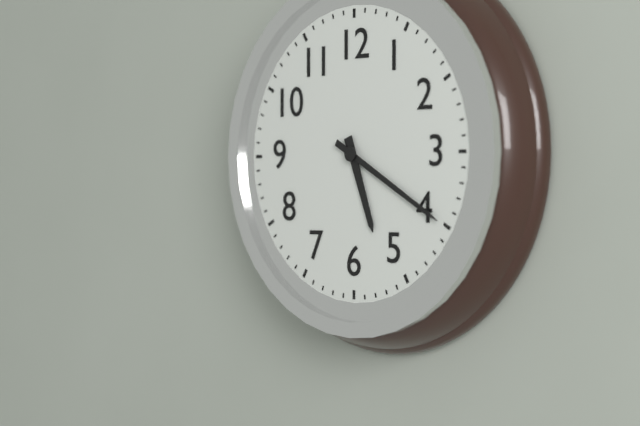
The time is **5:20**
